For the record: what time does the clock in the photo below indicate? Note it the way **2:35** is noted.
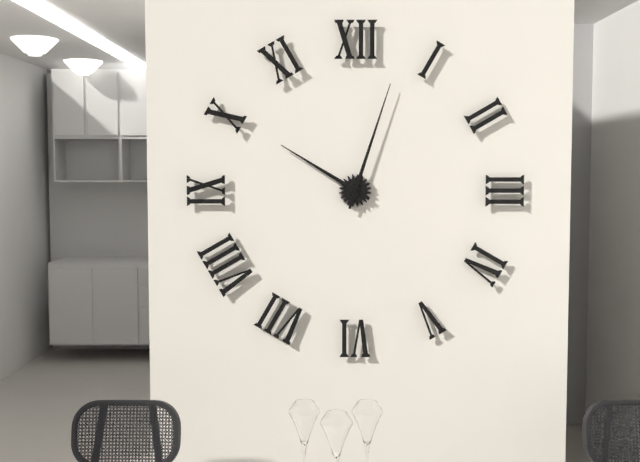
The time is **10:03**
